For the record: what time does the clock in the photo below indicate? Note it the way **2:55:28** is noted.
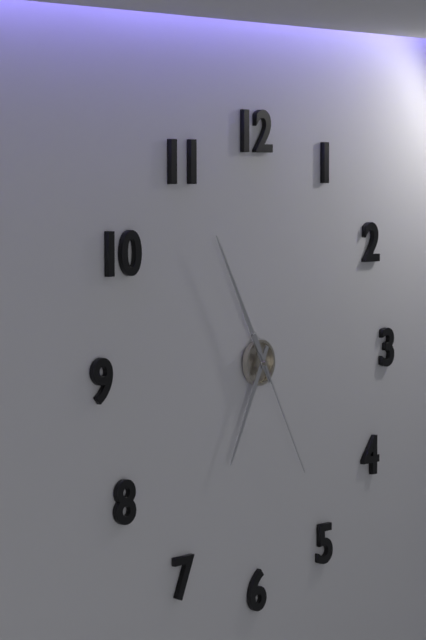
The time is **6:55:25**
